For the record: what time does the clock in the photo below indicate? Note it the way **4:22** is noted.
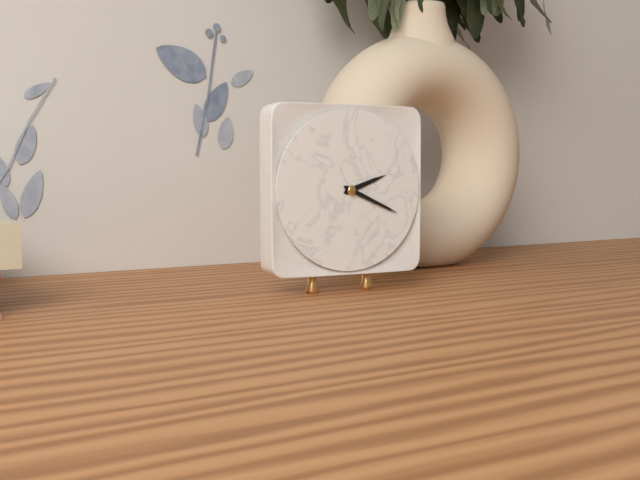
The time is **2:19**
